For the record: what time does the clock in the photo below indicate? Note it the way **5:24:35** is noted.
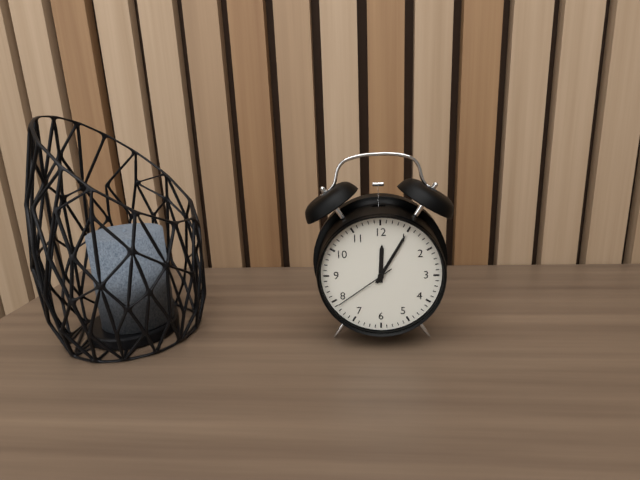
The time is **12:05:39**
